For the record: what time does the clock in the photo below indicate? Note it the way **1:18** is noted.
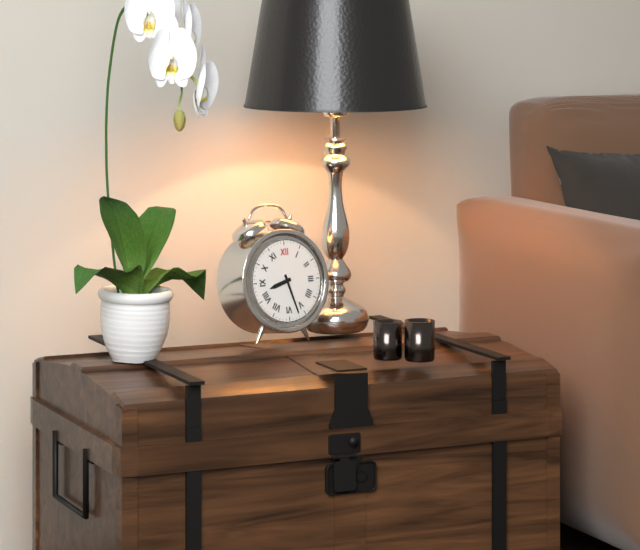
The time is **8:27**
